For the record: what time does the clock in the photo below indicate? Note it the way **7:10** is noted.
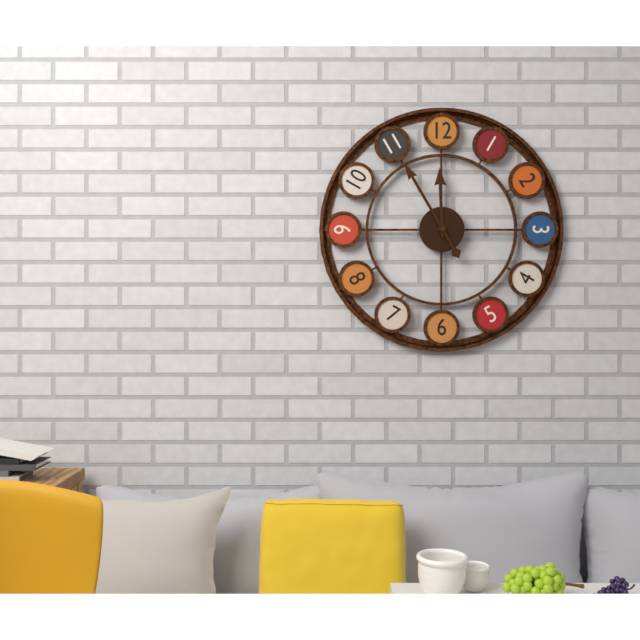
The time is **11:55**
